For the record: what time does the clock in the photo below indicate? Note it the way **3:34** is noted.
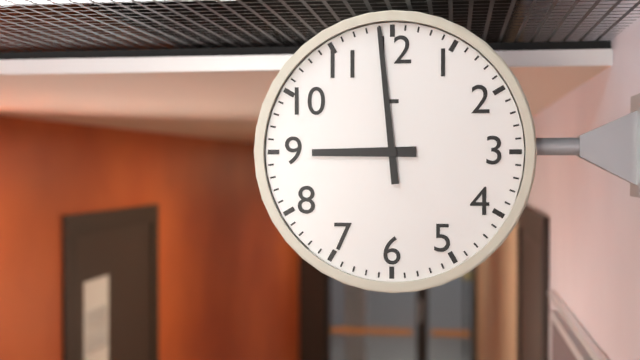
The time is **8:59**
